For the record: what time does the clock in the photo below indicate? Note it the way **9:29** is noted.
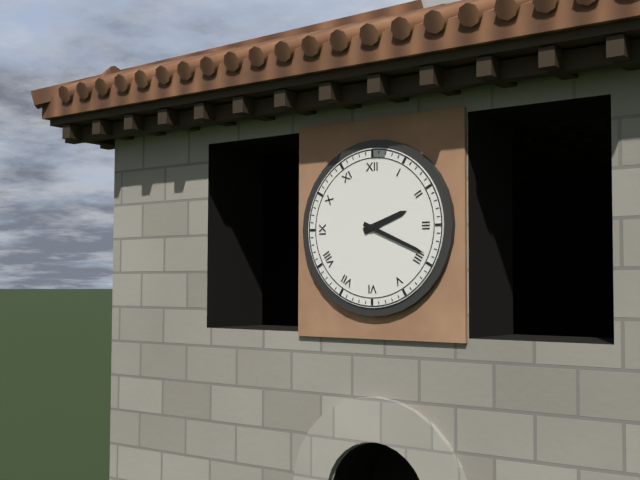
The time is **2:19**
